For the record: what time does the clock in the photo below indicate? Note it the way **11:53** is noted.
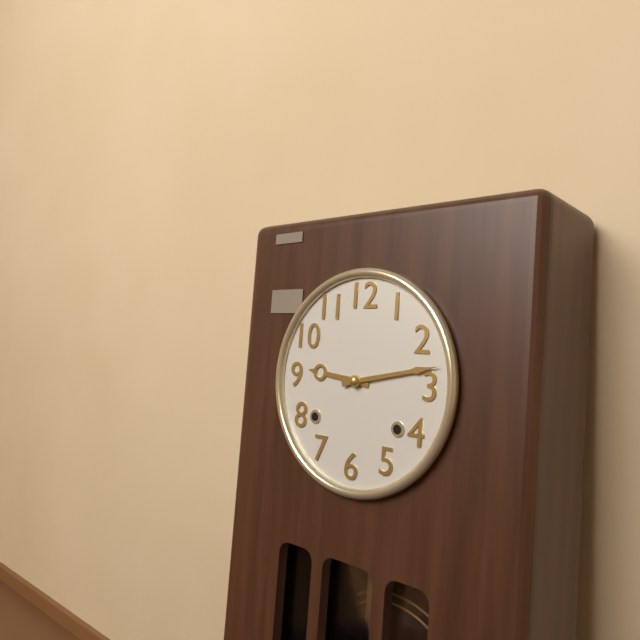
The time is **9:13**
